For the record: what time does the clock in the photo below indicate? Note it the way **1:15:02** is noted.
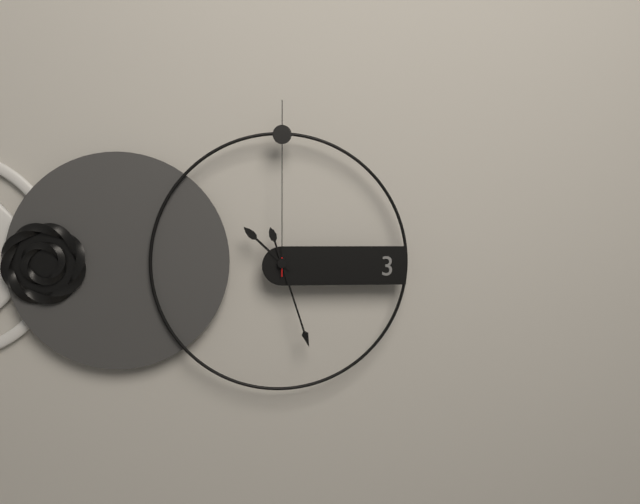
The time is **10:27:00**
